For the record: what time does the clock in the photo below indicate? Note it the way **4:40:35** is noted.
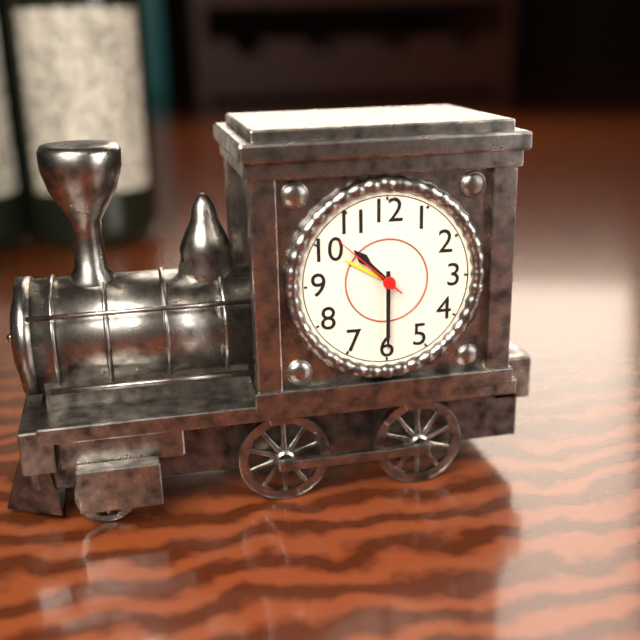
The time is **10:30:52**
